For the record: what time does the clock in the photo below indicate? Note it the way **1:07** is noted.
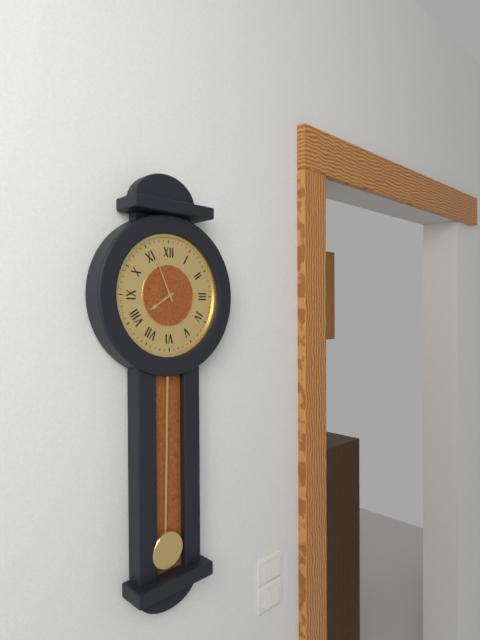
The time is **7:56**
